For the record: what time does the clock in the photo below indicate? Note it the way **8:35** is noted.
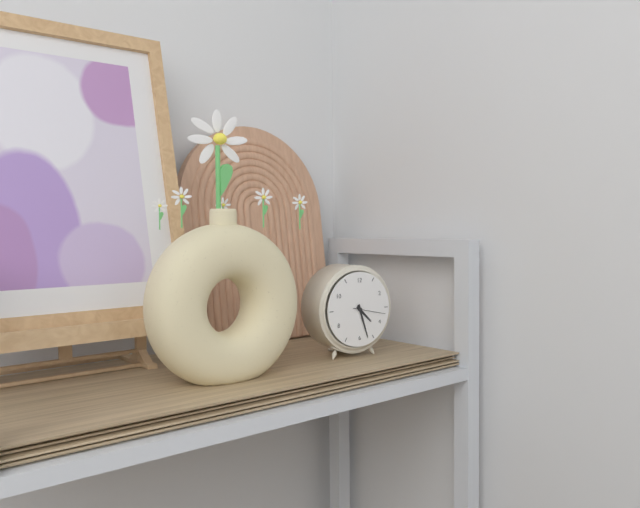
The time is **4:27**
